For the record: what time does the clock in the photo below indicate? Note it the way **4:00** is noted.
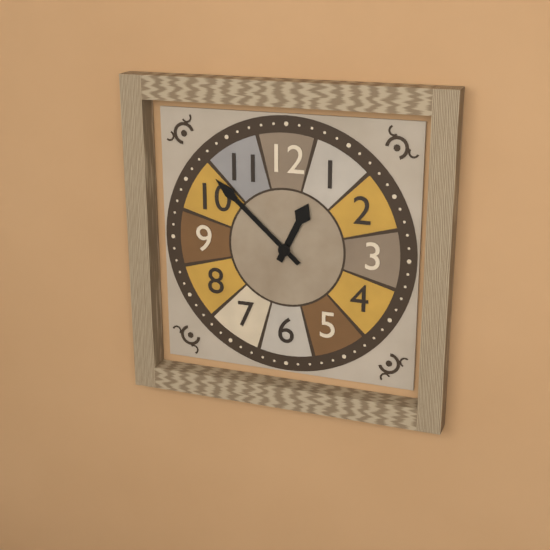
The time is **12:52**
